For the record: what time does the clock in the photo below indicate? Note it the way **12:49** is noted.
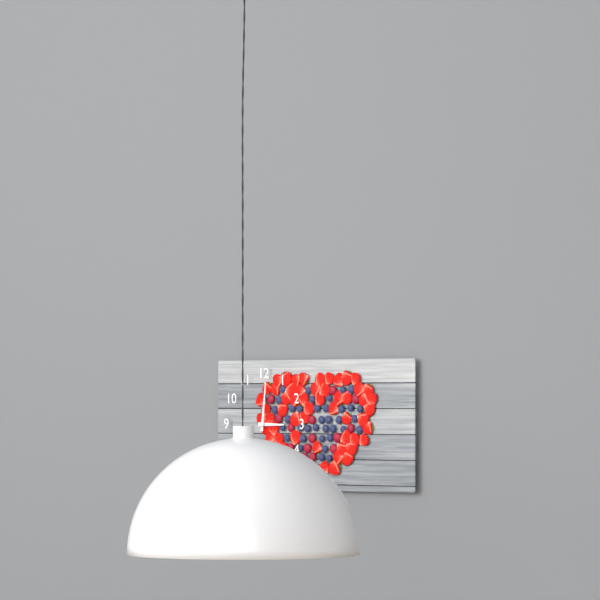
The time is **3:01**
